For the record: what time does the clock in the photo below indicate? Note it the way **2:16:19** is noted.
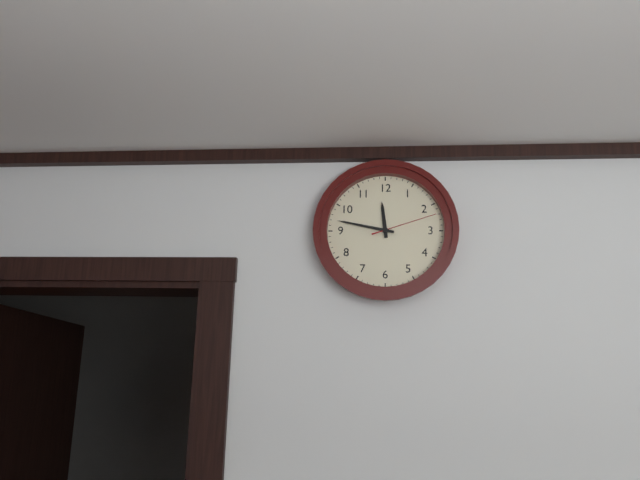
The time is **11:47:12**
